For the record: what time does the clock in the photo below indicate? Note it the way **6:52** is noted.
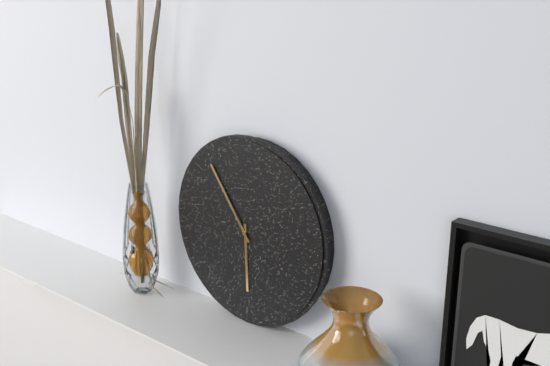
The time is **5:54**
